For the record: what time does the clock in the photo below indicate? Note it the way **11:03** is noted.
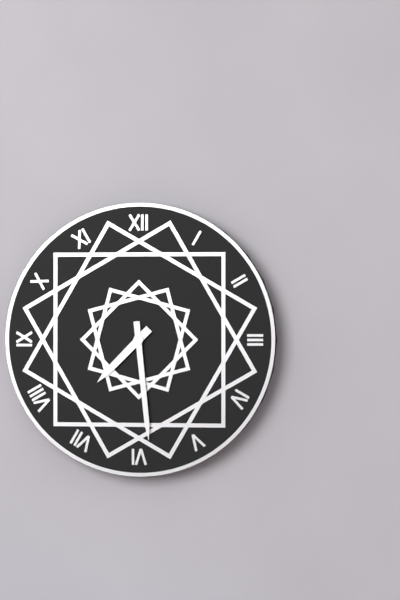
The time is **7:29**
